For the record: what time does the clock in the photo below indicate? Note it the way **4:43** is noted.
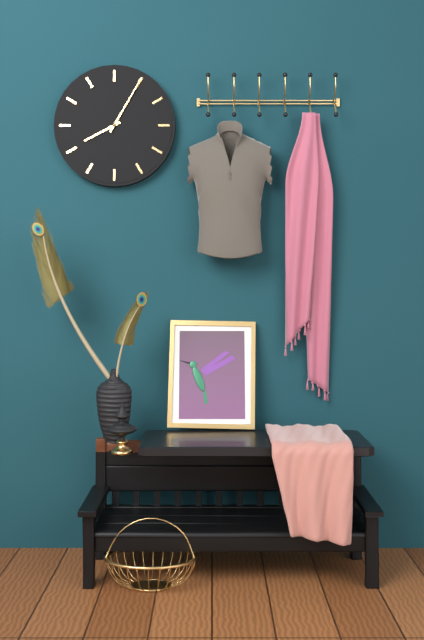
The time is **8:05**
